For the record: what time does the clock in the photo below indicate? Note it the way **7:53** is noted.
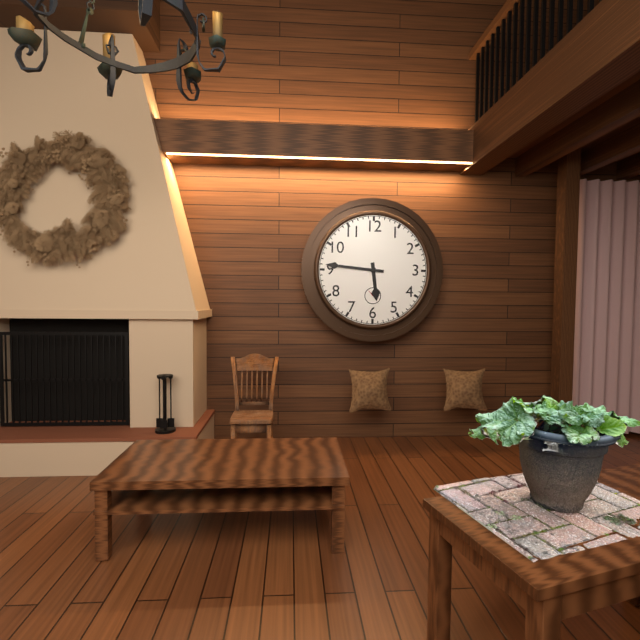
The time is **5:46**
